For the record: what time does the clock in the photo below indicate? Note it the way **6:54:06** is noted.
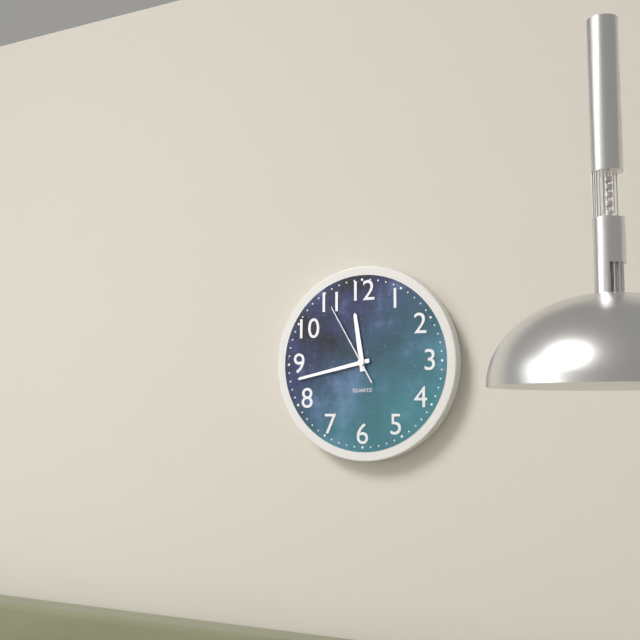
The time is **11:43:55**
